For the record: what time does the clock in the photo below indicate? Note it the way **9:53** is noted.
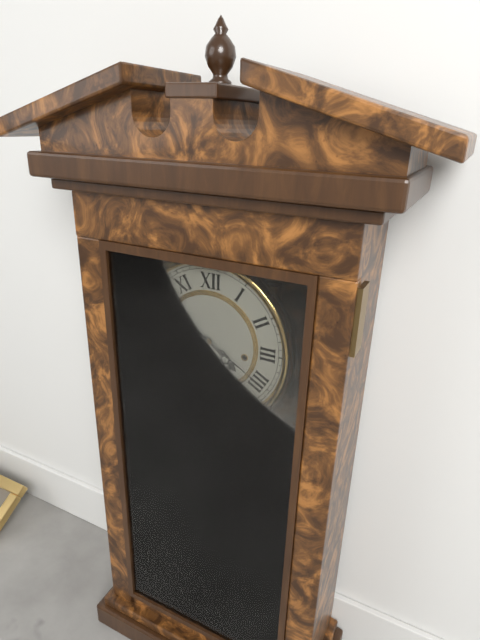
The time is **4:20**
